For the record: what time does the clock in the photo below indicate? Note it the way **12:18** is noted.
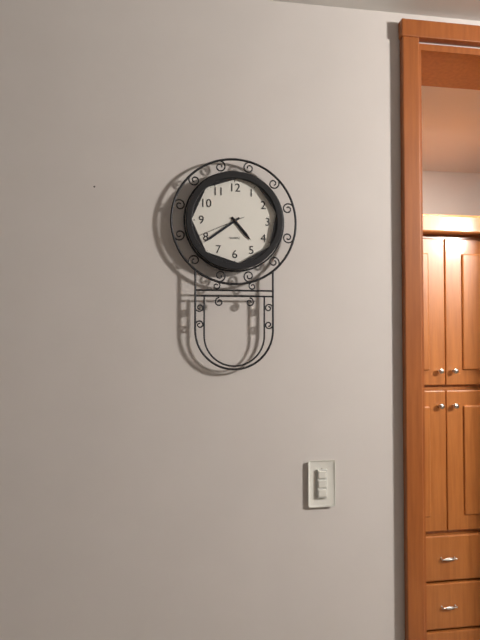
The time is **4:39**
